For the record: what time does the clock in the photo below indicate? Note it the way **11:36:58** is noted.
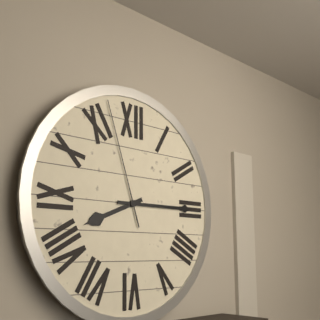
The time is **8:15:57**
